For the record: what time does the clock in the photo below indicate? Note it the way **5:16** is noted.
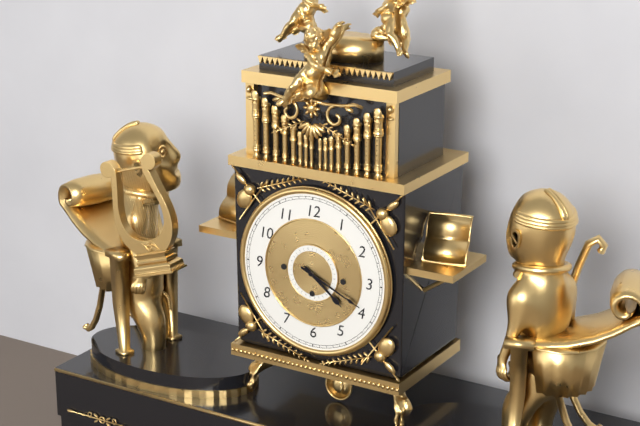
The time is **4:19**
